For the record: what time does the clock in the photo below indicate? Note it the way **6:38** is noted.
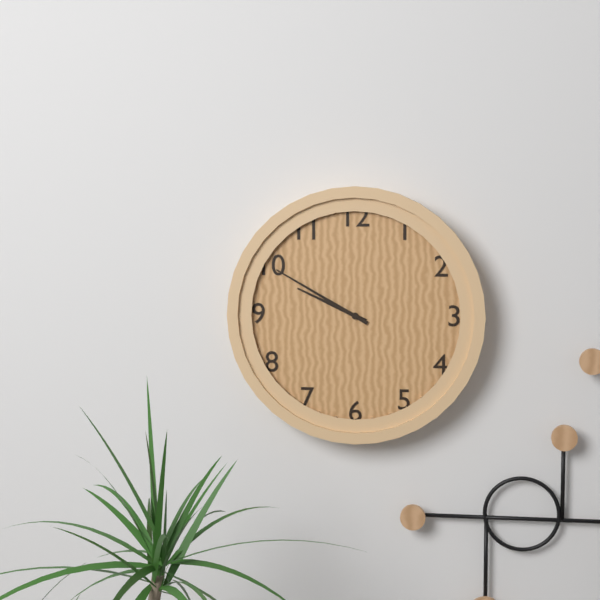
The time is **9:50**
